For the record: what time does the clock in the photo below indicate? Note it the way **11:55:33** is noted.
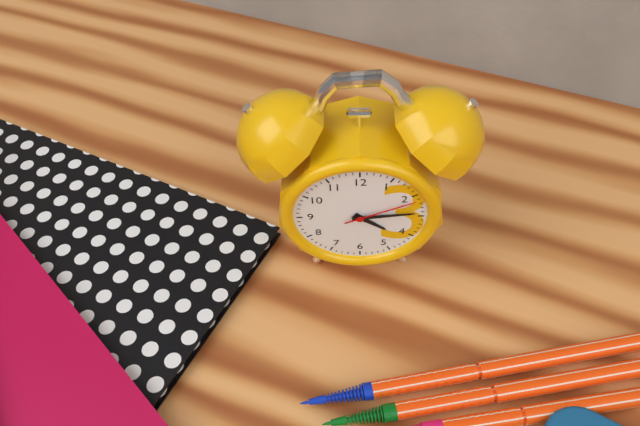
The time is **4:14:11**
